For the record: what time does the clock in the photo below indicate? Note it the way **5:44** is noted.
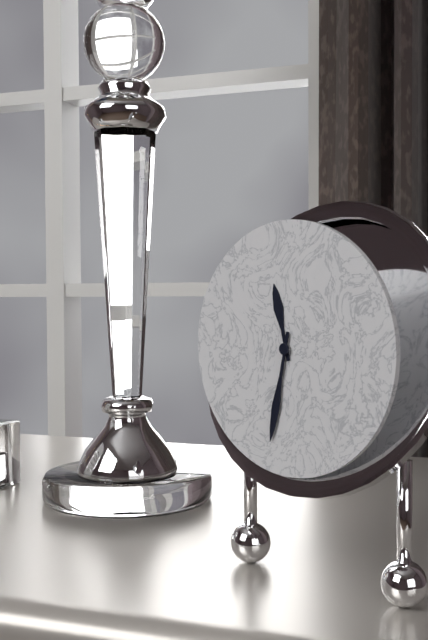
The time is **11:32**
